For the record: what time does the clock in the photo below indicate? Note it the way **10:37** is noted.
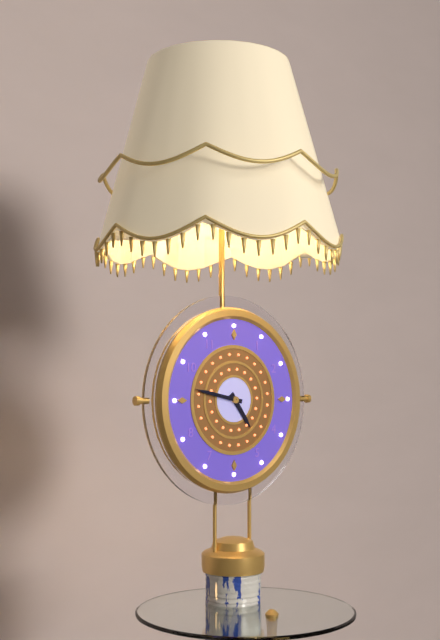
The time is **4:47**
